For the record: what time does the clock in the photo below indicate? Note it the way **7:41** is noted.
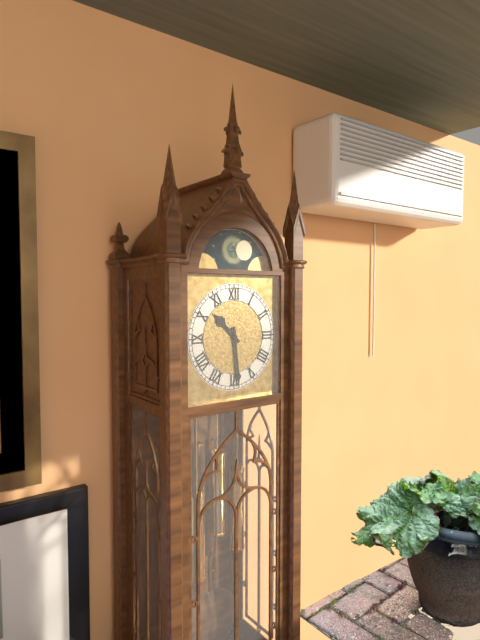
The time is **10:29**
